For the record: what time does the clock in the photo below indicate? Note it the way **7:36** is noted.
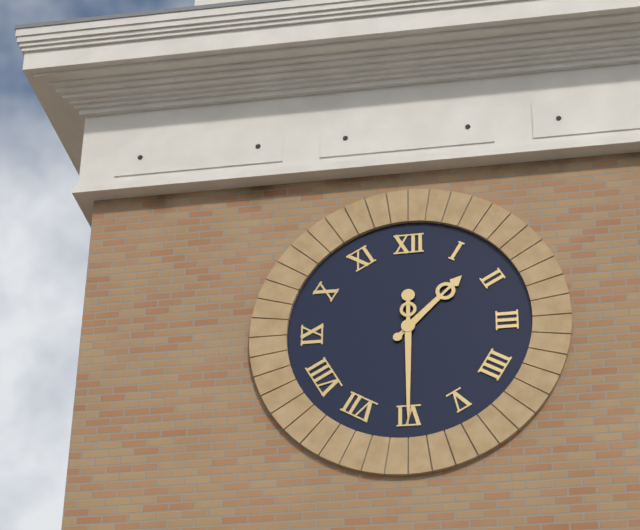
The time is **1:30**
